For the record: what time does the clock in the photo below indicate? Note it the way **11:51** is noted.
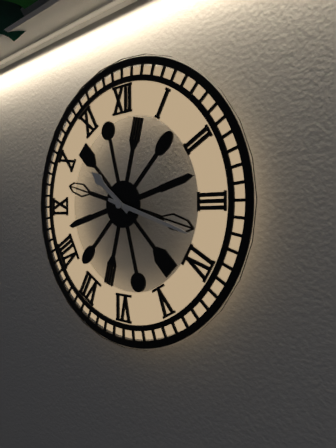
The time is **10:18**
